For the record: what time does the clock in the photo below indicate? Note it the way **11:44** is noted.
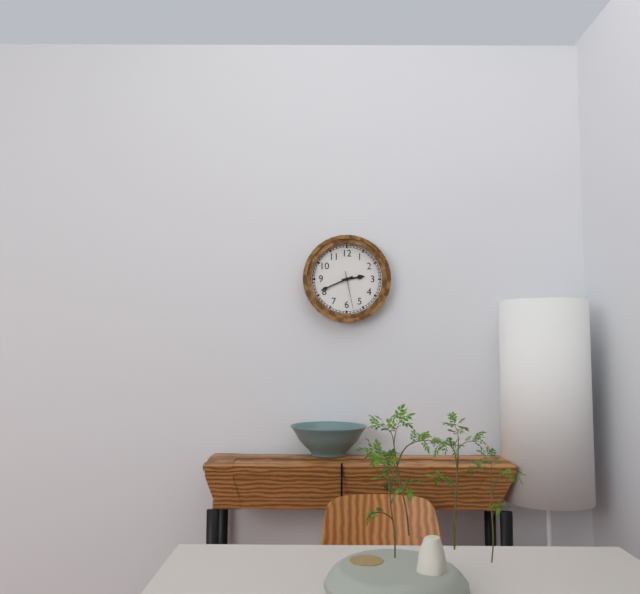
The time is **2:41**
